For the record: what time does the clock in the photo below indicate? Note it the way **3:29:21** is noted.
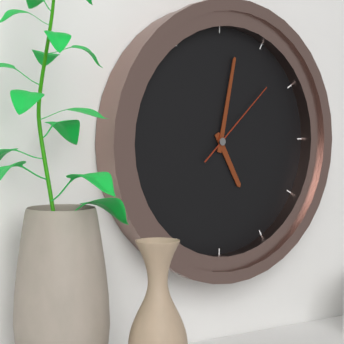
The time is **5:02:08**
